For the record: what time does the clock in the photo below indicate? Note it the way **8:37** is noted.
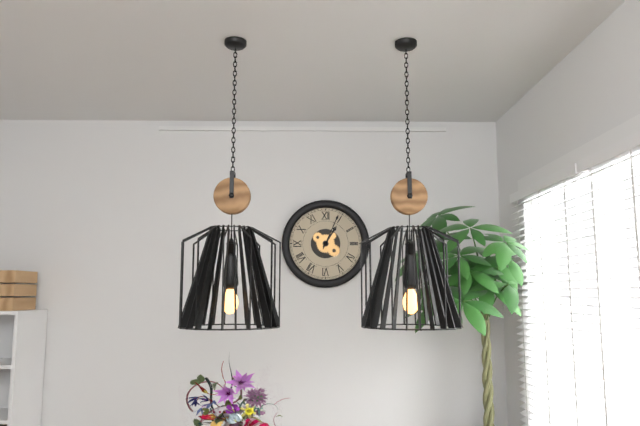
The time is **1:04**
